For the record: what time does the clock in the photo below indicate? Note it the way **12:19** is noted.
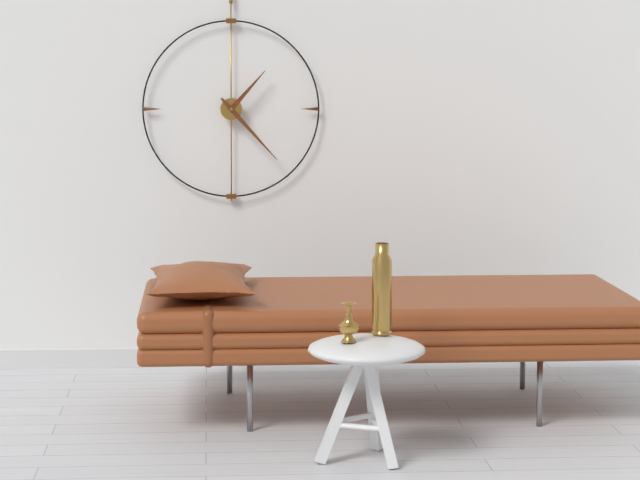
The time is **1:23**
